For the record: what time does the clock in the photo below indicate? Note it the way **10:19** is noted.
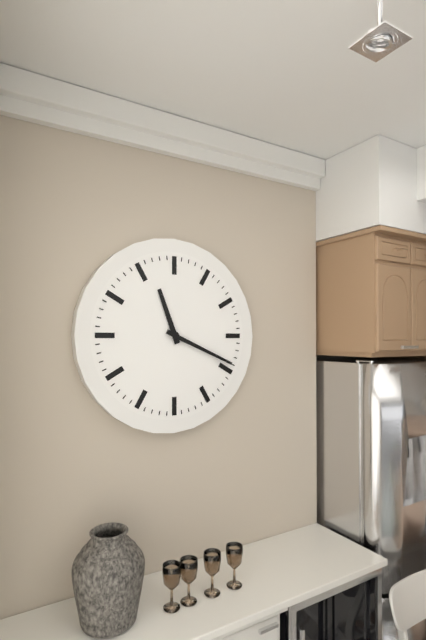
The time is **11:19**
